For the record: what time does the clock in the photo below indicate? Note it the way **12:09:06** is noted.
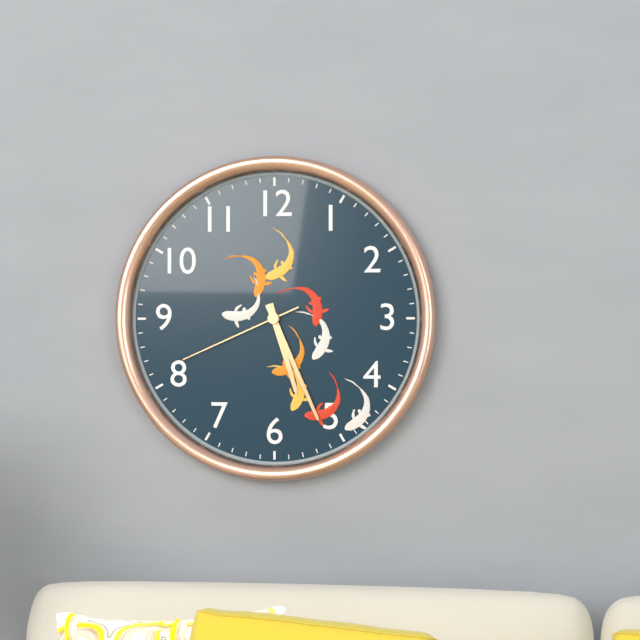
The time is **5:26:41**
